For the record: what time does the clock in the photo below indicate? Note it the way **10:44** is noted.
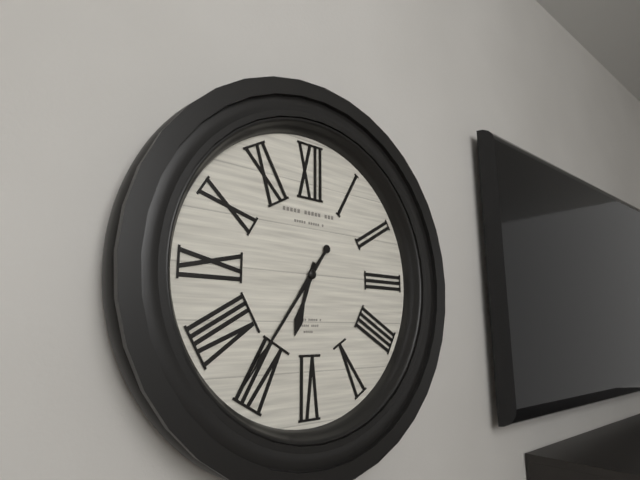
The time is **6:36**
